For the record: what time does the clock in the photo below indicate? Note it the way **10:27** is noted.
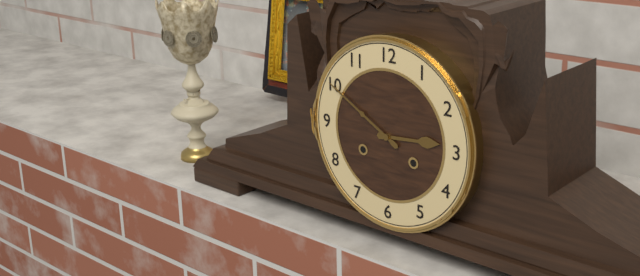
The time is **2:50**
